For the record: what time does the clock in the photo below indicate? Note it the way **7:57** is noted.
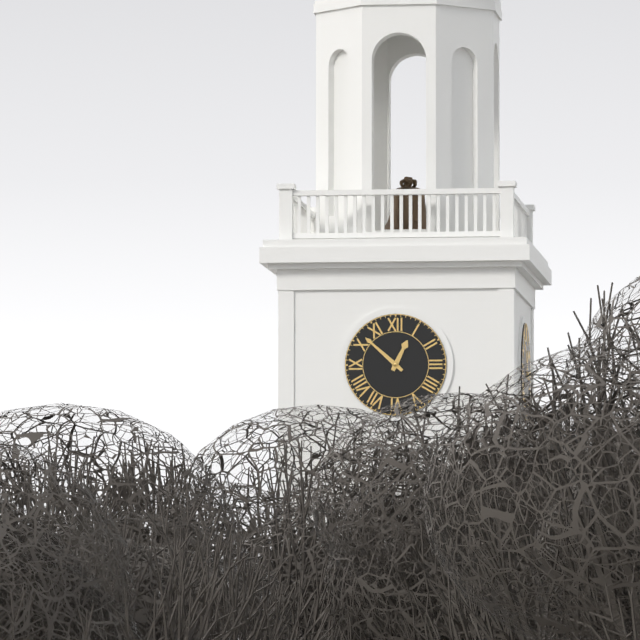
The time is **12:52**
